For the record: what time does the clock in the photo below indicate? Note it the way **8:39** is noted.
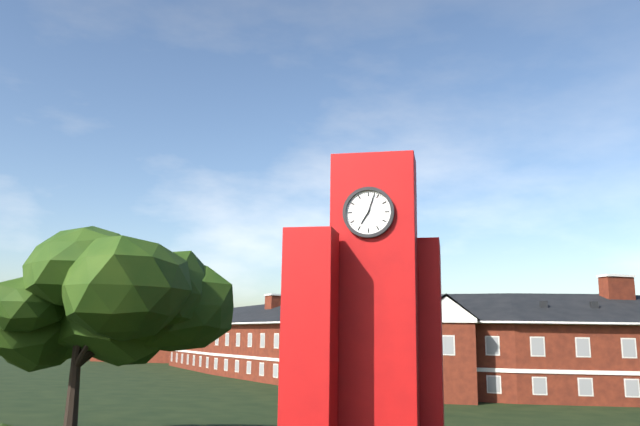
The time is **7:03**
